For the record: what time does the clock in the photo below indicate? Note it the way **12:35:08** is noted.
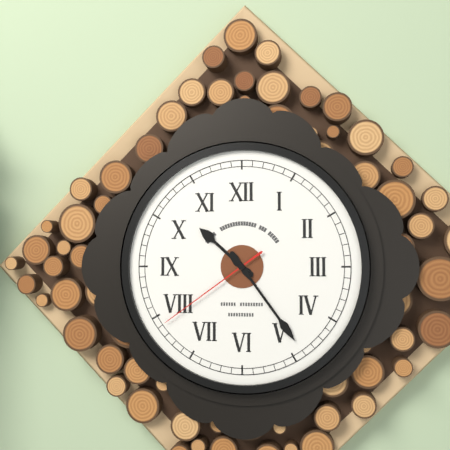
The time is **10:24:39**
